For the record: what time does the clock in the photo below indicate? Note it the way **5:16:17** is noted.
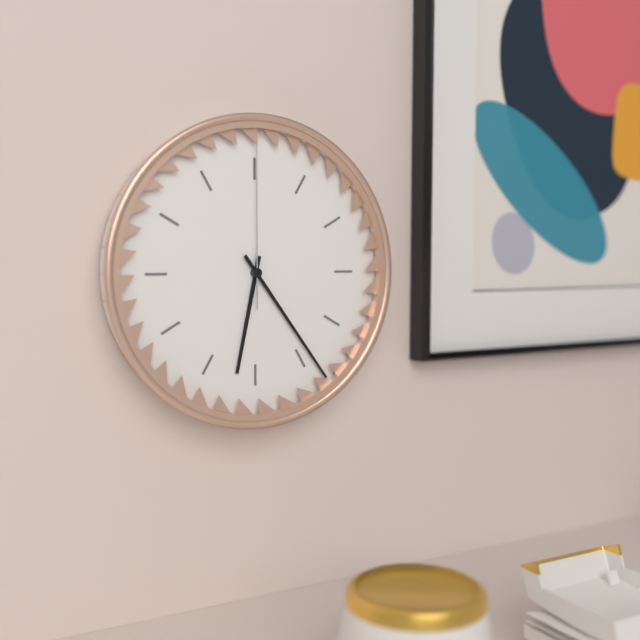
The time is **6:24:00**
